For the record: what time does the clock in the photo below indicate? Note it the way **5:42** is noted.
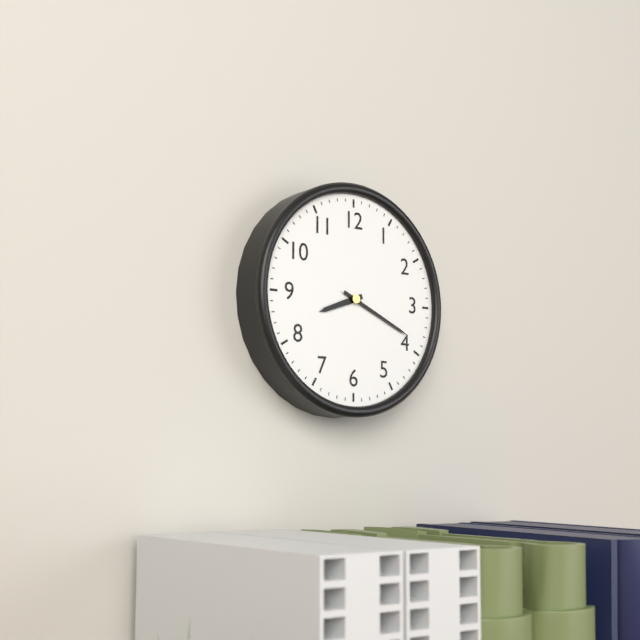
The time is **8:19**
